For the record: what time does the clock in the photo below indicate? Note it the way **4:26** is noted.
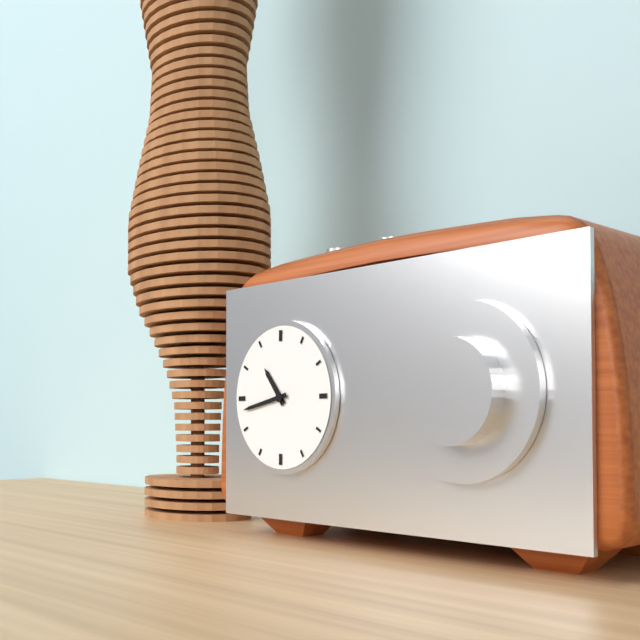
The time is **10:43**
